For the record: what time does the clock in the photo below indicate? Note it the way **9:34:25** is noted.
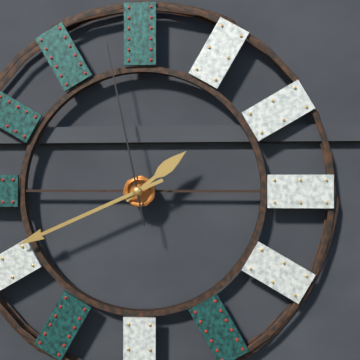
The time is **1:41:58**
